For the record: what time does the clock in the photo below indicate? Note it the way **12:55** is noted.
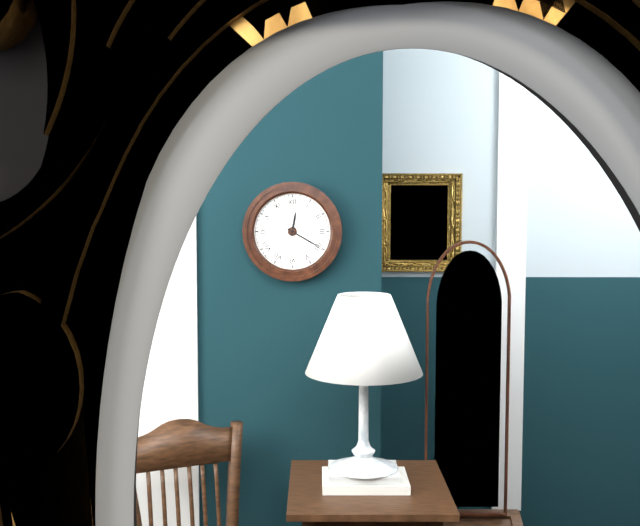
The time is **12:20**
